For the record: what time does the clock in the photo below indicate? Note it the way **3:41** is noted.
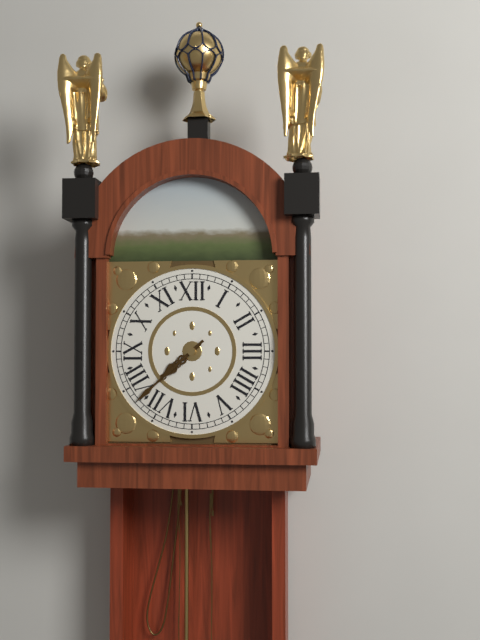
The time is **7:38**
